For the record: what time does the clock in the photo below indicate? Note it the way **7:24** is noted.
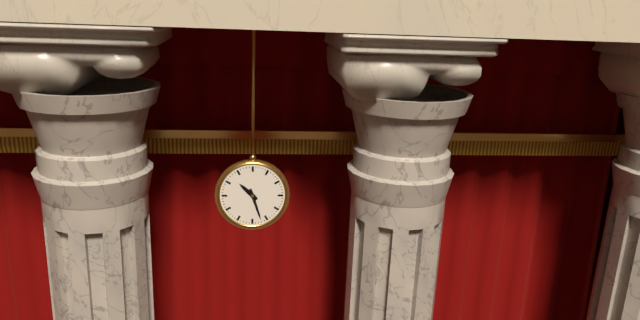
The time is **10:27**
